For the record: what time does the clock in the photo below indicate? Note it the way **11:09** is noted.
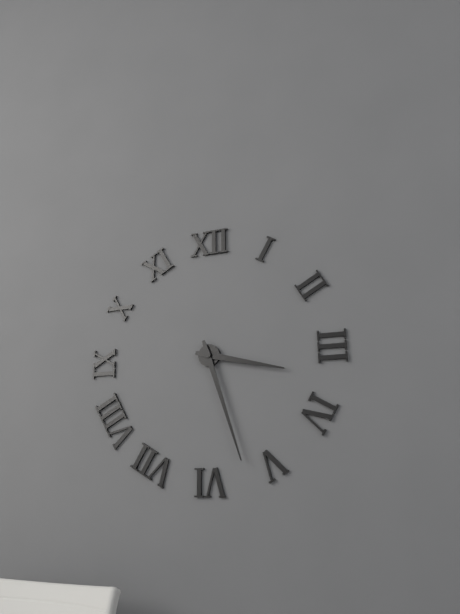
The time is **3:27**
